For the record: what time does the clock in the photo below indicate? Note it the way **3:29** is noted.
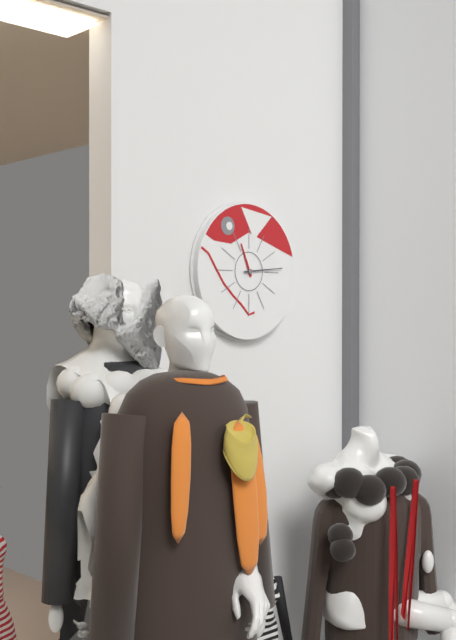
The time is **11:14**
